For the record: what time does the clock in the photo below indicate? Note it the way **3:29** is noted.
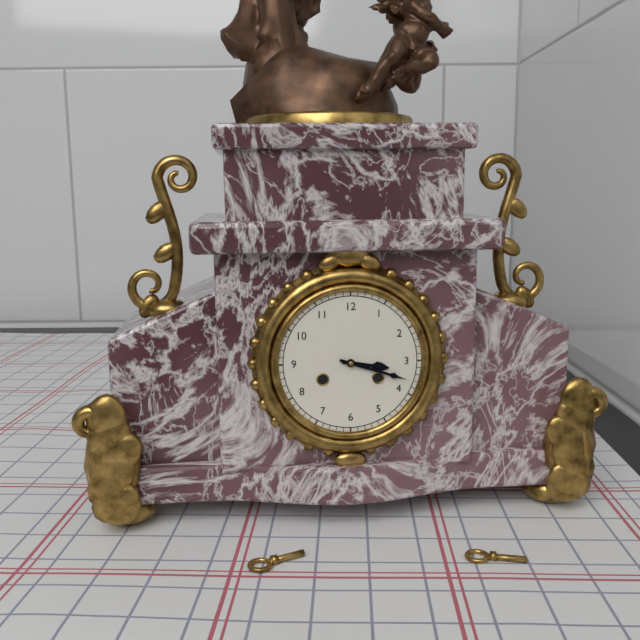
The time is **3:18**
